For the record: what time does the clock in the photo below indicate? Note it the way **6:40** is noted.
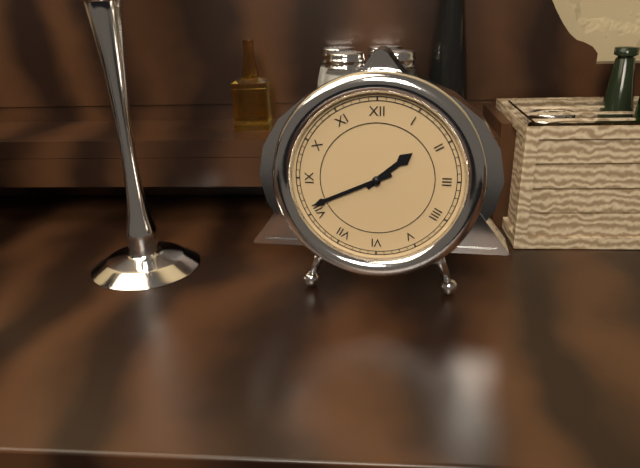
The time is **1:41**
